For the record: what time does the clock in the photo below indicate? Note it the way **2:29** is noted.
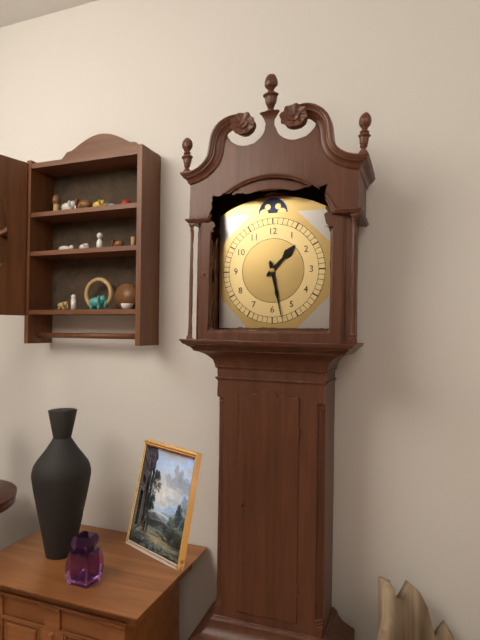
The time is **1:28**
